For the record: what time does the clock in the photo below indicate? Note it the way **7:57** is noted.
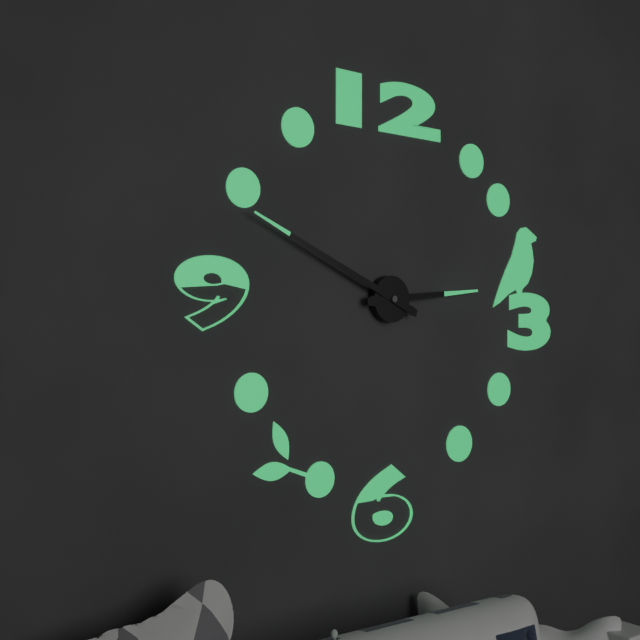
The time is **2:49**
